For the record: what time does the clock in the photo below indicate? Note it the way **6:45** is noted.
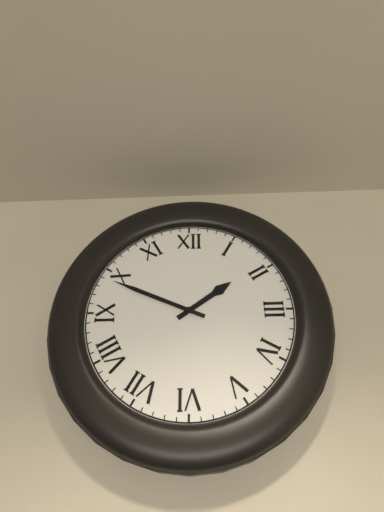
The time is **1:49**
